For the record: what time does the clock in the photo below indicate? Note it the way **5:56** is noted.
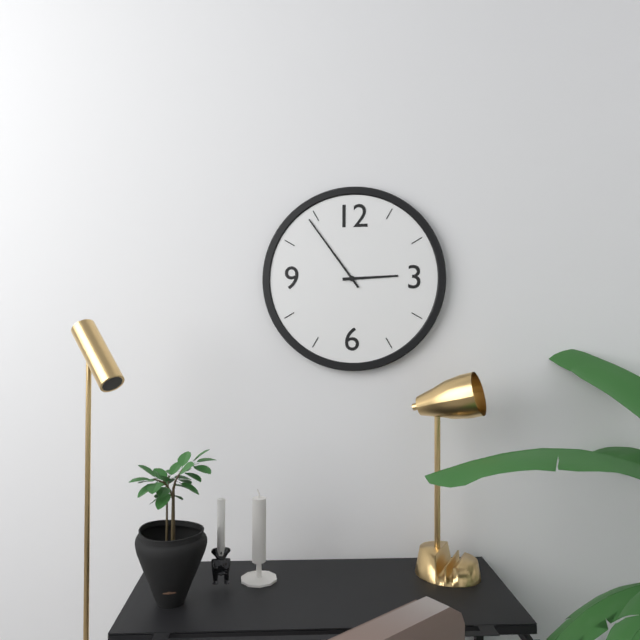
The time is **2:54**
